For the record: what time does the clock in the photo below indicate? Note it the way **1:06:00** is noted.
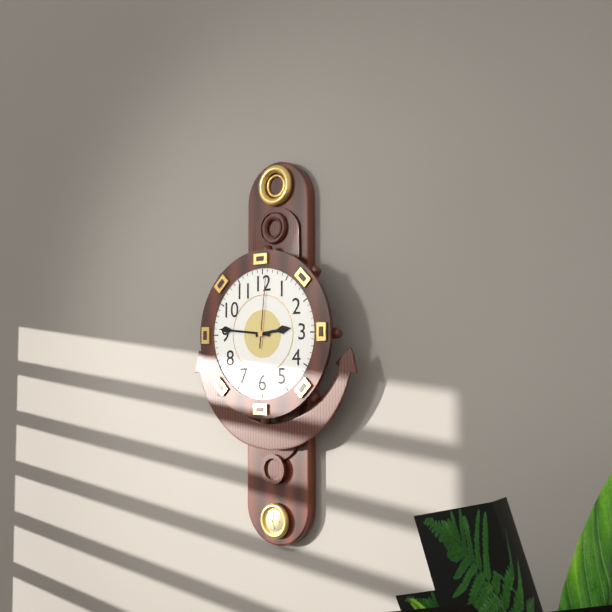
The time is **2:46:01**
